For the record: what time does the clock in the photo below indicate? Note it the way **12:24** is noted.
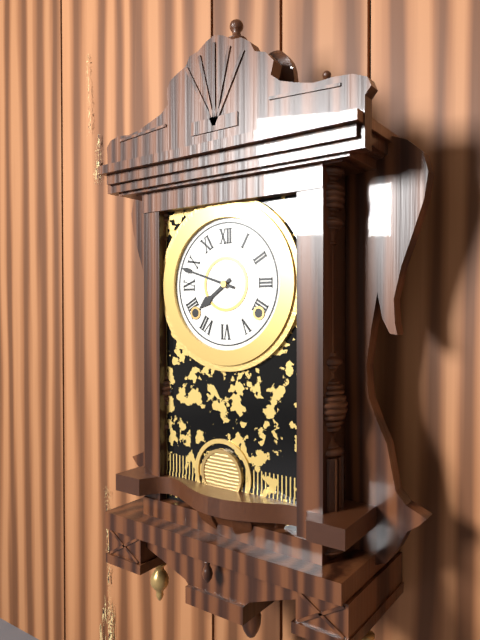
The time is **7:48**
